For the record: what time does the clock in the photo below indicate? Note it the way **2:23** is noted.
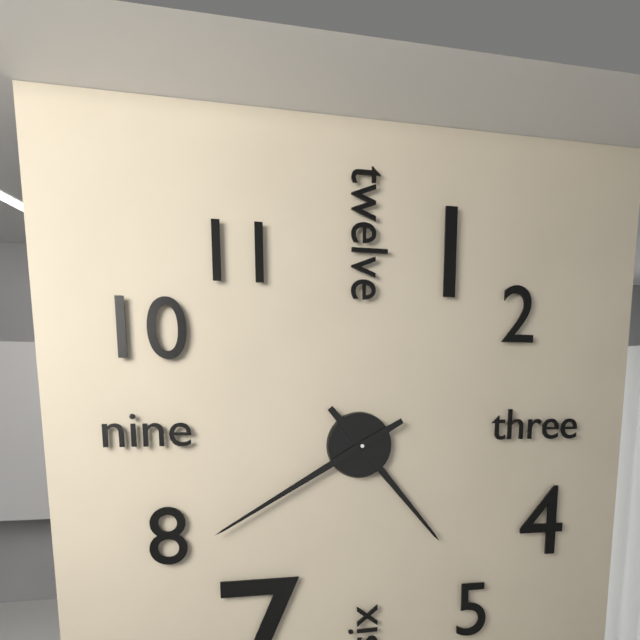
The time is **4:40**
